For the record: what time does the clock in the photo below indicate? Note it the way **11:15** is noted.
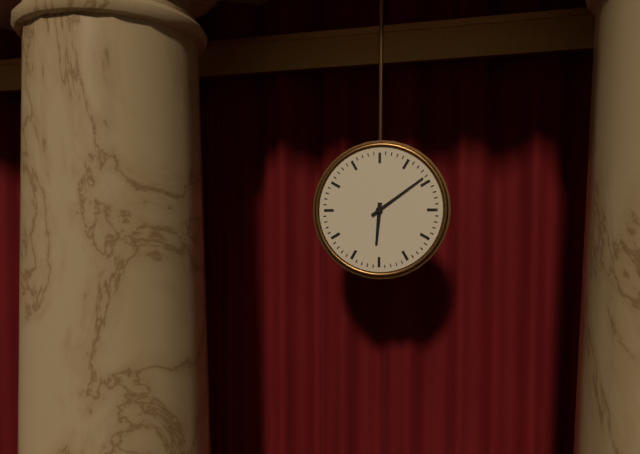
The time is **6:09**
